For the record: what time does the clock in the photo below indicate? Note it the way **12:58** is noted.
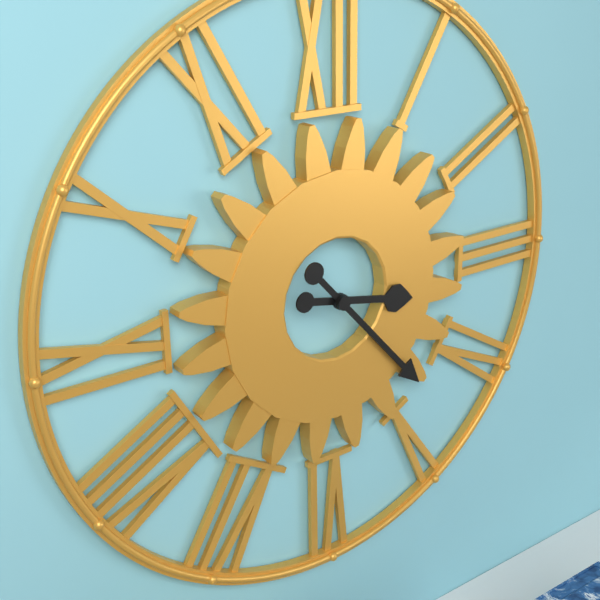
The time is **3:23**
